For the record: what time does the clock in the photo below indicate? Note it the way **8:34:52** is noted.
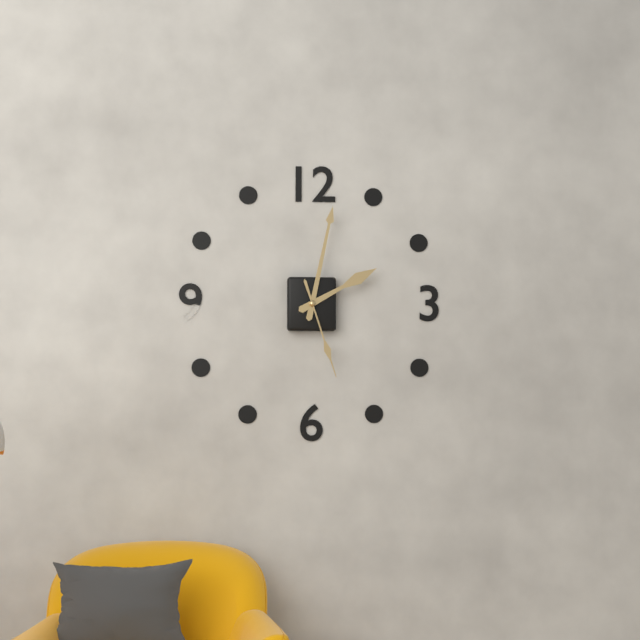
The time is **2:02:27**
